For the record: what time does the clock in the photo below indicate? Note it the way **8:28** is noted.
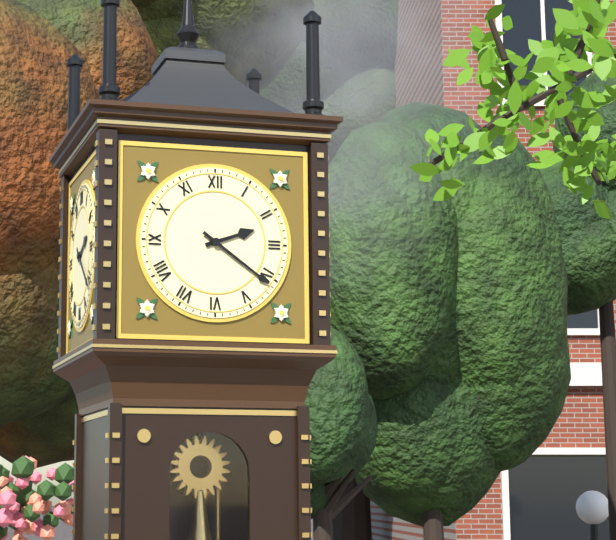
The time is **2:21**
